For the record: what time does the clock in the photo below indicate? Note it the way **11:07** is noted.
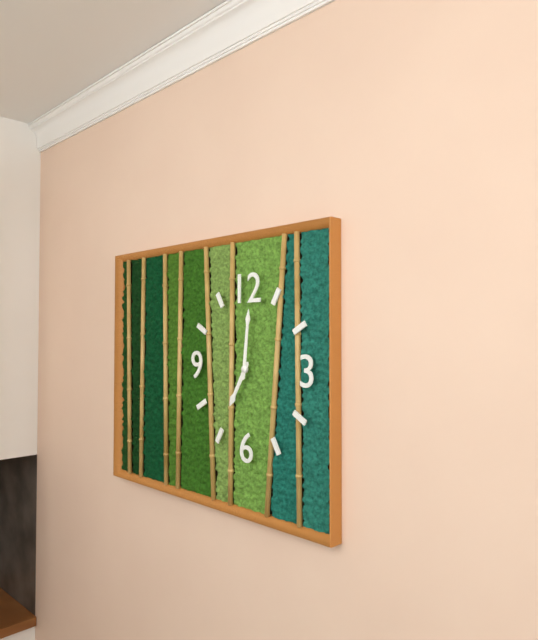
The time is **7:01**
